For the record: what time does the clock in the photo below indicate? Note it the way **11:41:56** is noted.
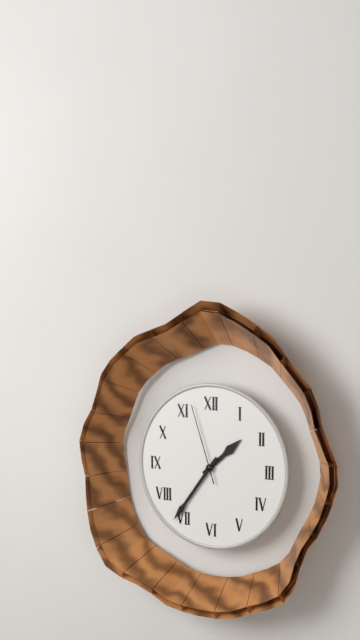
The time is **1:36:57**
